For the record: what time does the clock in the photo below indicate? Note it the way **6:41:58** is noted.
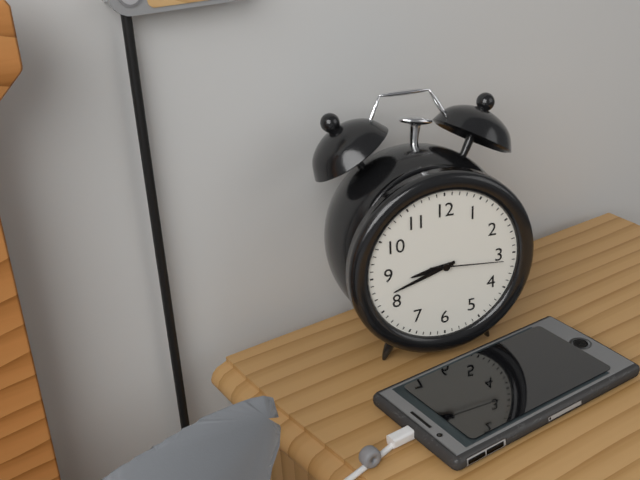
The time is **8:42:16**
